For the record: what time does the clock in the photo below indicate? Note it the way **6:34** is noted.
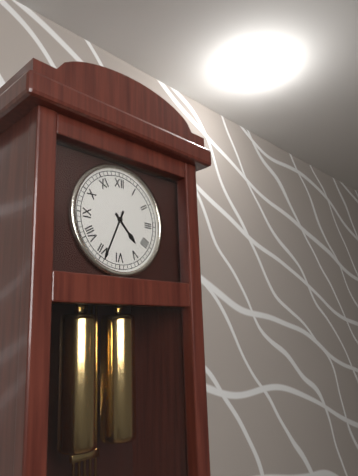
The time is **4:34**
